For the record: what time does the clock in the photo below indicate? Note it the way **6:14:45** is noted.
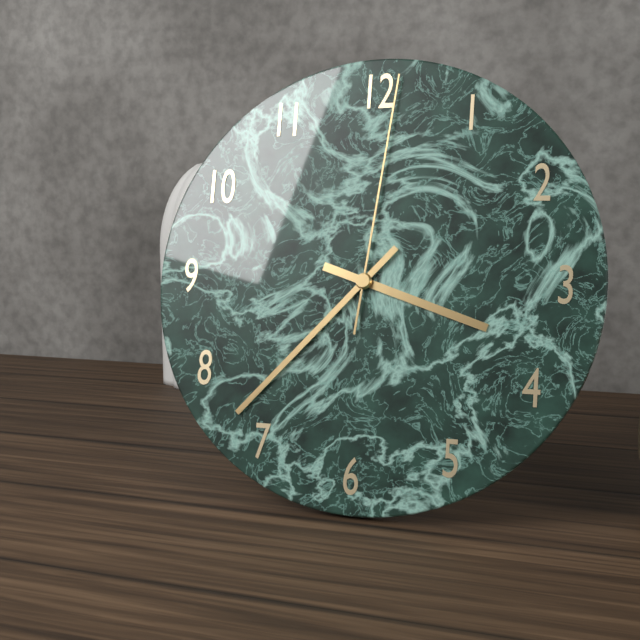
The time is **3:37:01**
